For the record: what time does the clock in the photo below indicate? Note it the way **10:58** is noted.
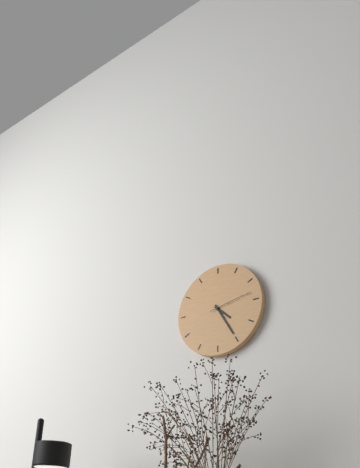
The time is **4:25**
